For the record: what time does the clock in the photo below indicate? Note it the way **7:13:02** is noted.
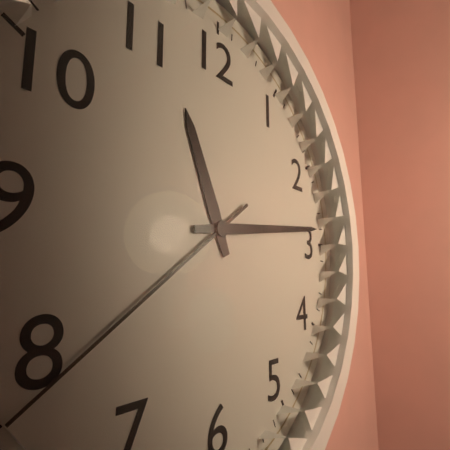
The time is **11:14:39**
